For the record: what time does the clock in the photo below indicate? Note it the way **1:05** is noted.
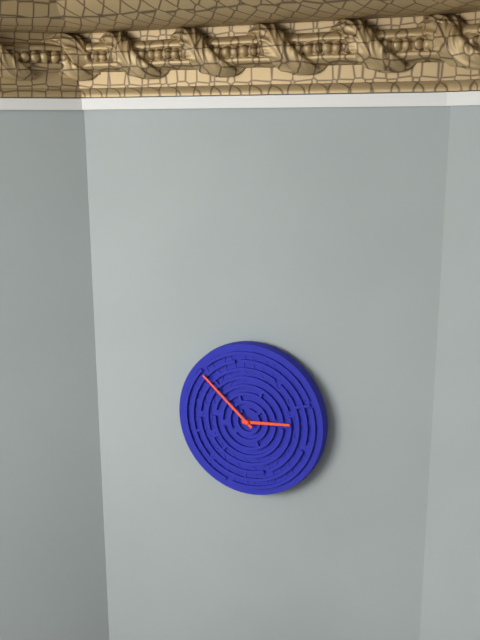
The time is **2:52**
